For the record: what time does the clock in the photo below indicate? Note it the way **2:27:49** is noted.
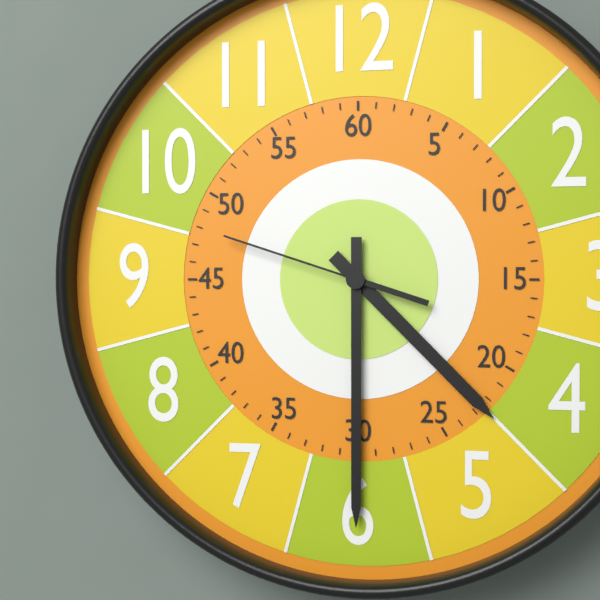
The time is **4:30:48**
